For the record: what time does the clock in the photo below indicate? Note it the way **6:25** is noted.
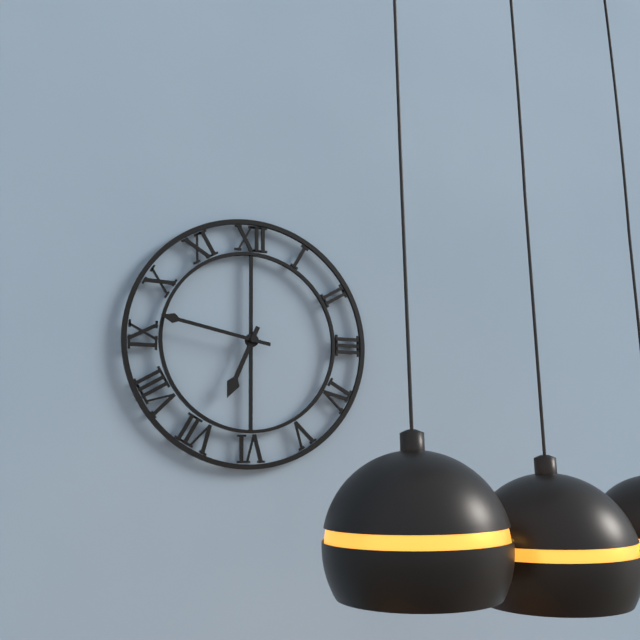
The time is **6:47**
